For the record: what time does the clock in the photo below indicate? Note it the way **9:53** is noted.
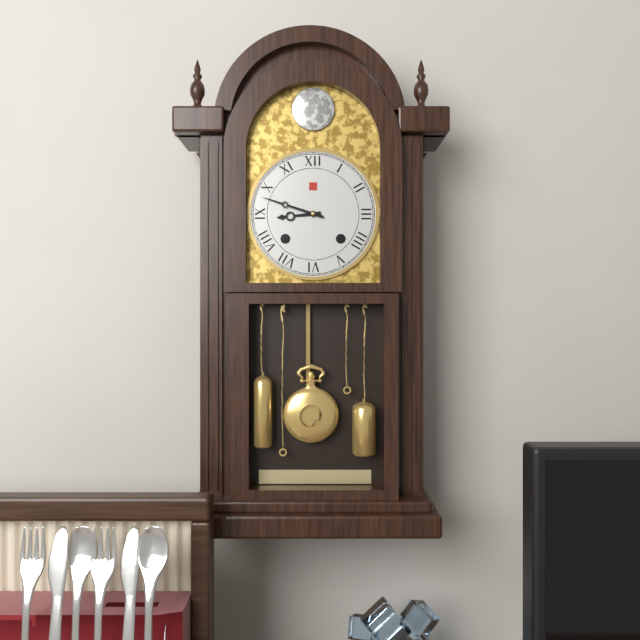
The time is **8:48**
